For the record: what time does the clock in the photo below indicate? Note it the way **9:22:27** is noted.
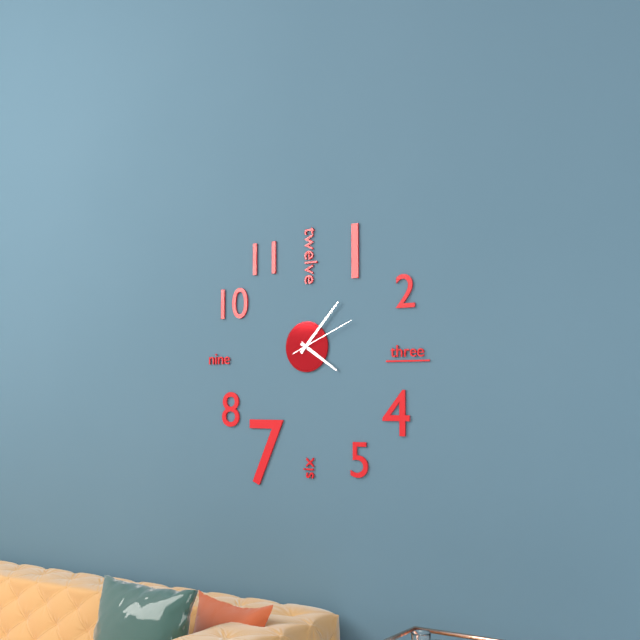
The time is **4:07:11**
